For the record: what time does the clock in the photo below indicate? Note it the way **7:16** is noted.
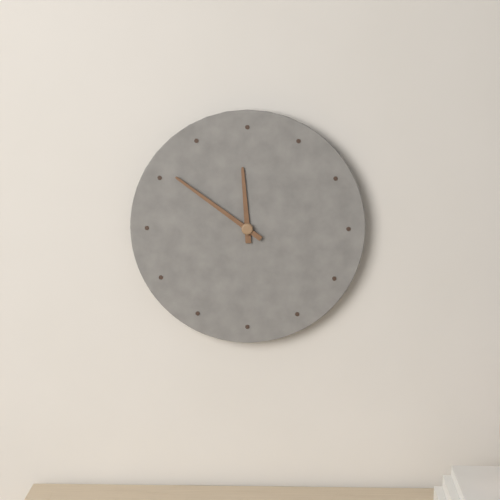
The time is **11:51**
